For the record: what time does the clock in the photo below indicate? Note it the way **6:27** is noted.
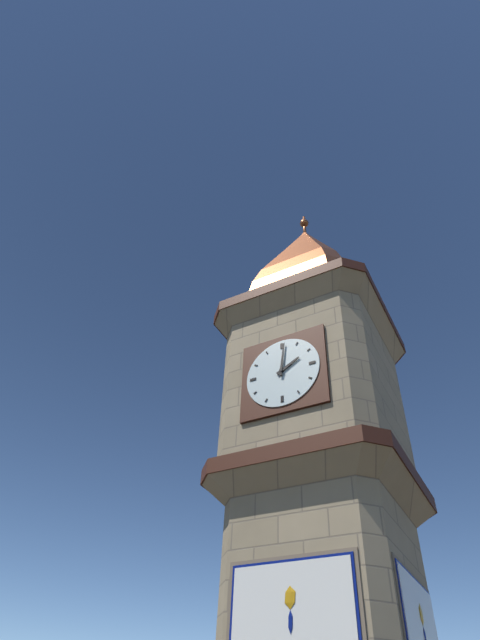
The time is **2:01**
